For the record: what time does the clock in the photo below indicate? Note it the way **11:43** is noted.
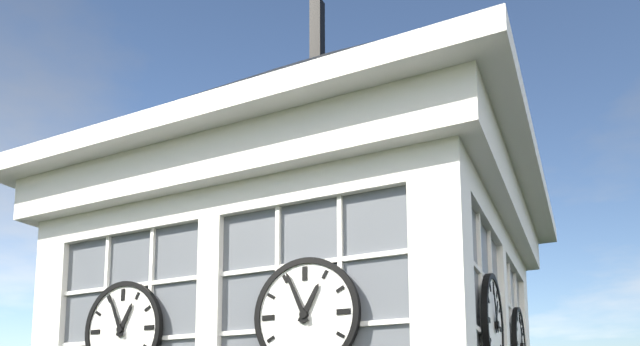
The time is **12:56**
